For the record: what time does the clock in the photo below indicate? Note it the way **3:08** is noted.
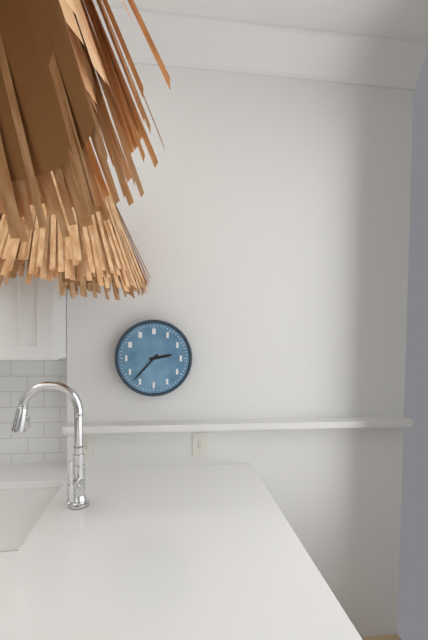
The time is **2:37**
